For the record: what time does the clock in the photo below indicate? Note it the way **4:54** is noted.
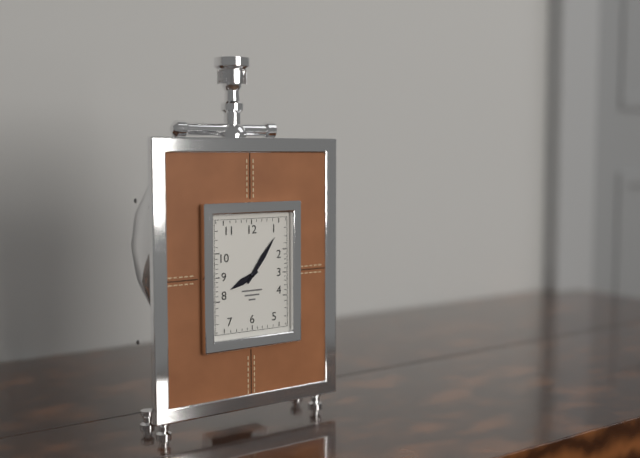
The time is **8:06**
